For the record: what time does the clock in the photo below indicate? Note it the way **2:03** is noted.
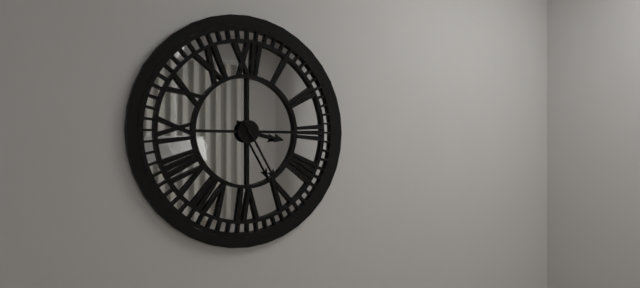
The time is **3:25**
